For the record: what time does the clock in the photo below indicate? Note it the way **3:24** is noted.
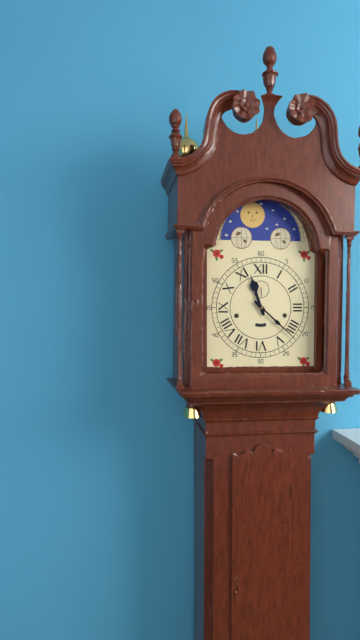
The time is **11:22**
